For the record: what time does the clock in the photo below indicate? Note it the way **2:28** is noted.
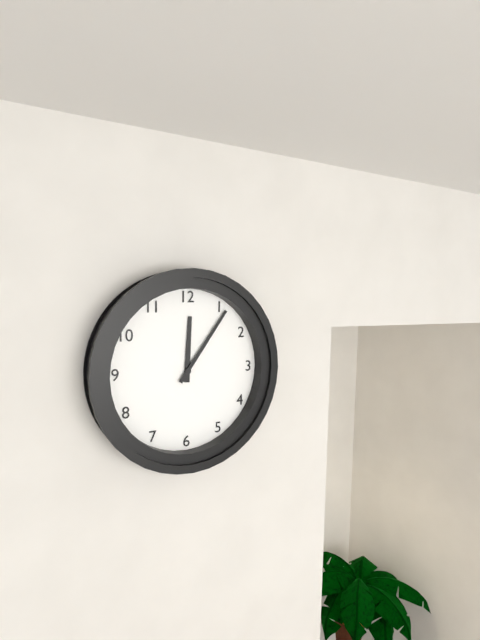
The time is **12:06**
